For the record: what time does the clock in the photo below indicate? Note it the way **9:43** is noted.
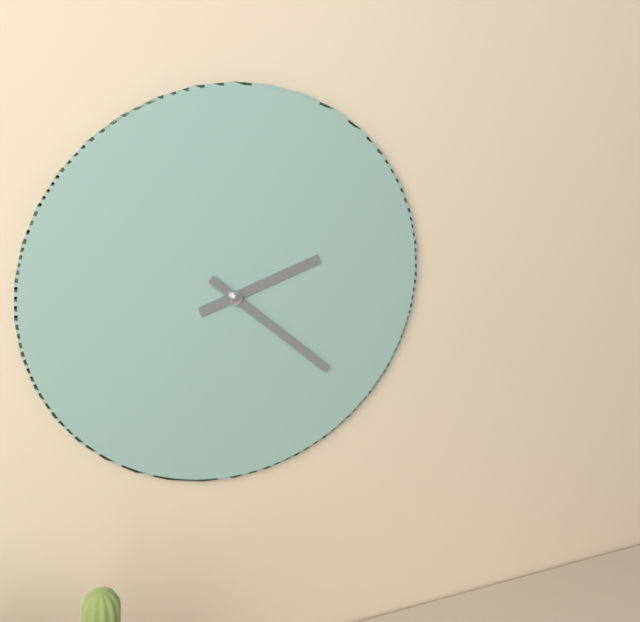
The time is **2:22**
